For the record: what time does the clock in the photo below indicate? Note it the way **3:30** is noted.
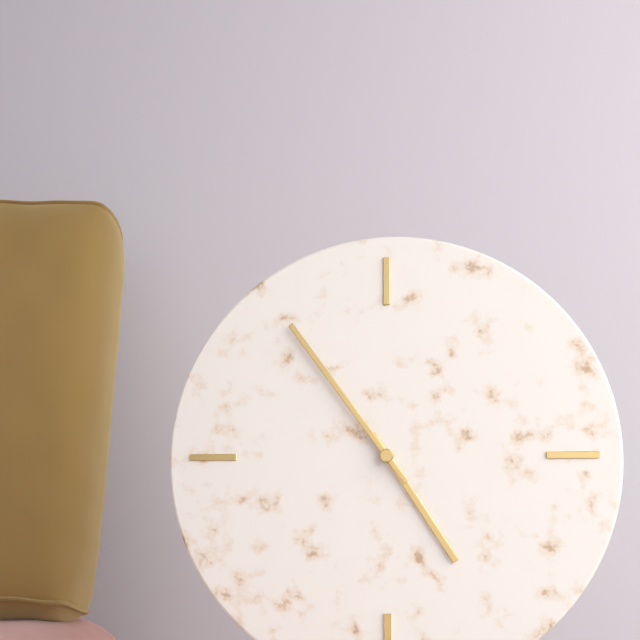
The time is **4:54**
